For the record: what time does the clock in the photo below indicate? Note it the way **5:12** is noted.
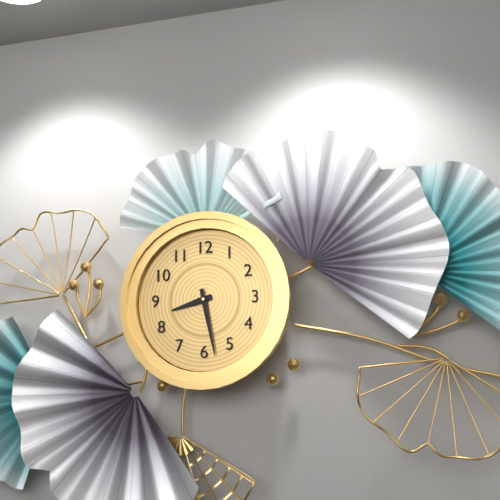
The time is **8:28**
